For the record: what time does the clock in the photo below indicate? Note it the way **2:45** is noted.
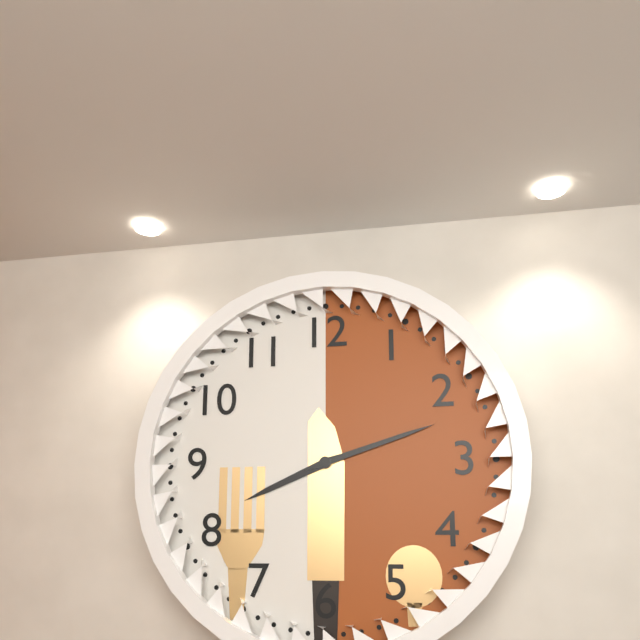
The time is **8:12**
